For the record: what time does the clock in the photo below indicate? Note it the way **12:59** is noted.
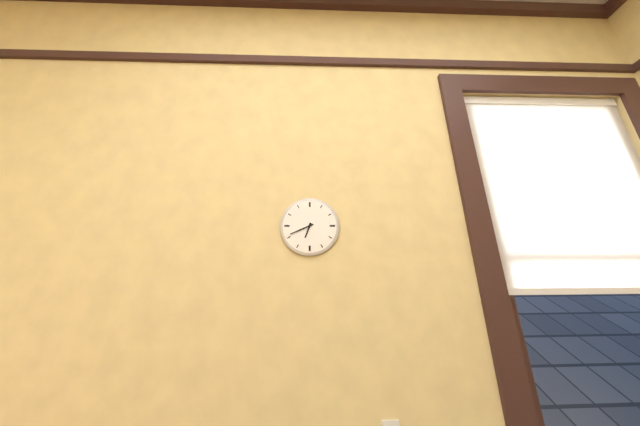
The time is **6:41**
